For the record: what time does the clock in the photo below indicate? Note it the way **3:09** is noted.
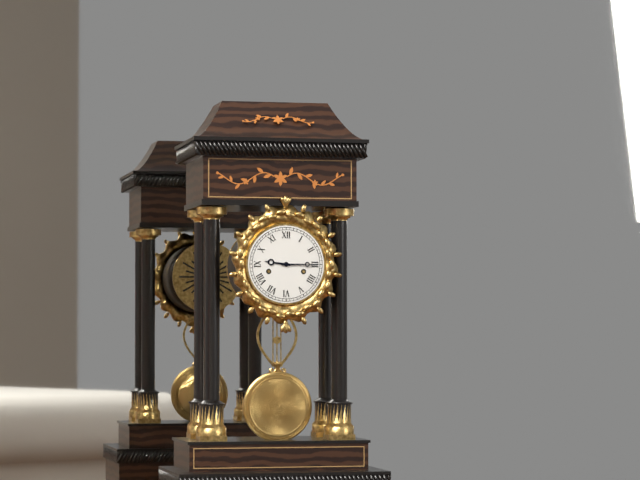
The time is **9:15**
